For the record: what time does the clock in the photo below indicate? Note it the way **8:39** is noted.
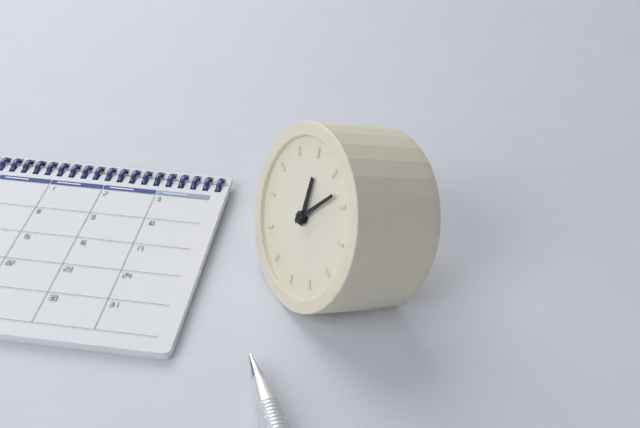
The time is **12:08**
